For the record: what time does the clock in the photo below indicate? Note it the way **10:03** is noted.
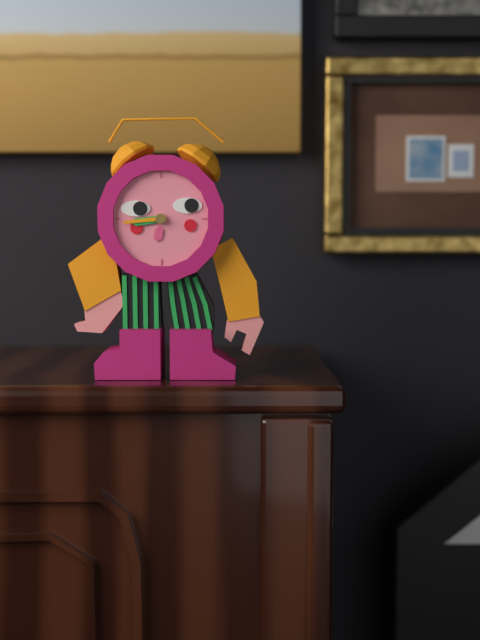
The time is **8:44**
